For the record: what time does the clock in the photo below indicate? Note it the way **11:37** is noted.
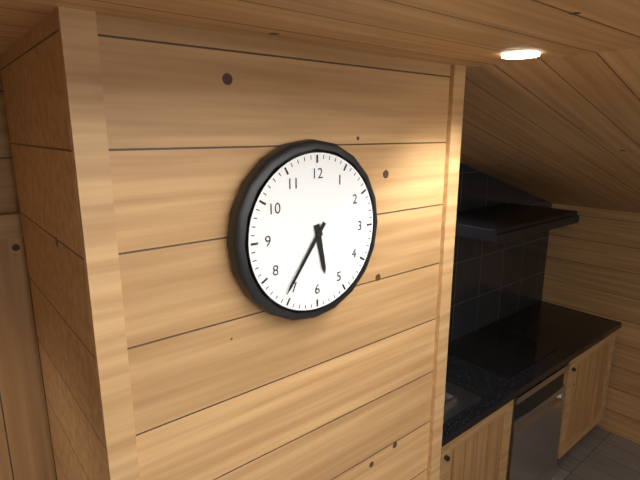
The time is **5:36**
